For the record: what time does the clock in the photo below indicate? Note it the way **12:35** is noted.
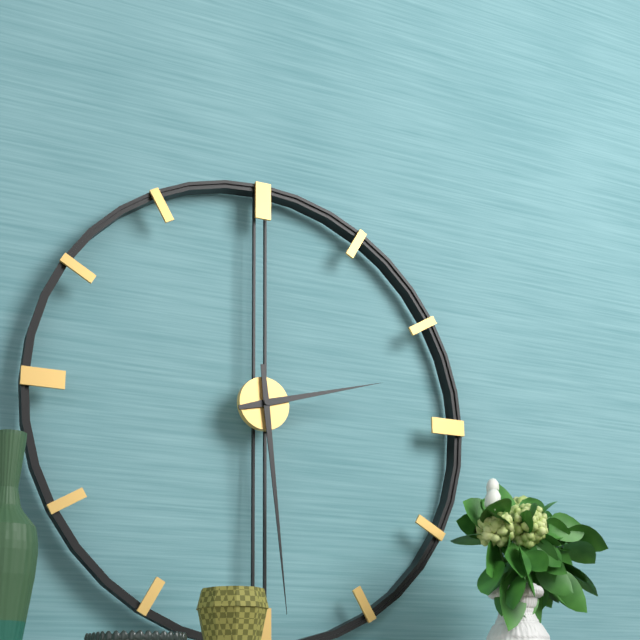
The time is **2:29**
